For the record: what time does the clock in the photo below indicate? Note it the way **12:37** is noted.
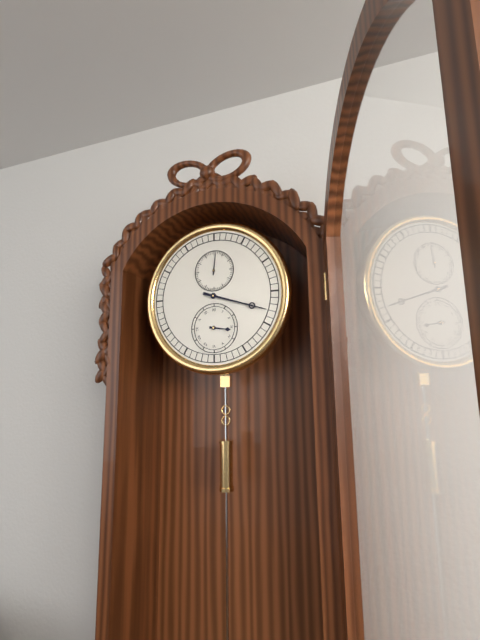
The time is **3:18**
